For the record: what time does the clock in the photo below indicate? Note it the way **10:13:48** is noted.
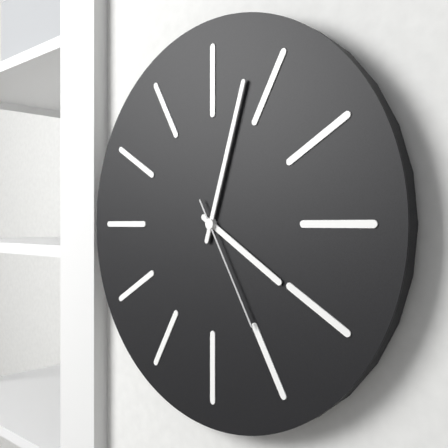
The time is **4:03:25**
